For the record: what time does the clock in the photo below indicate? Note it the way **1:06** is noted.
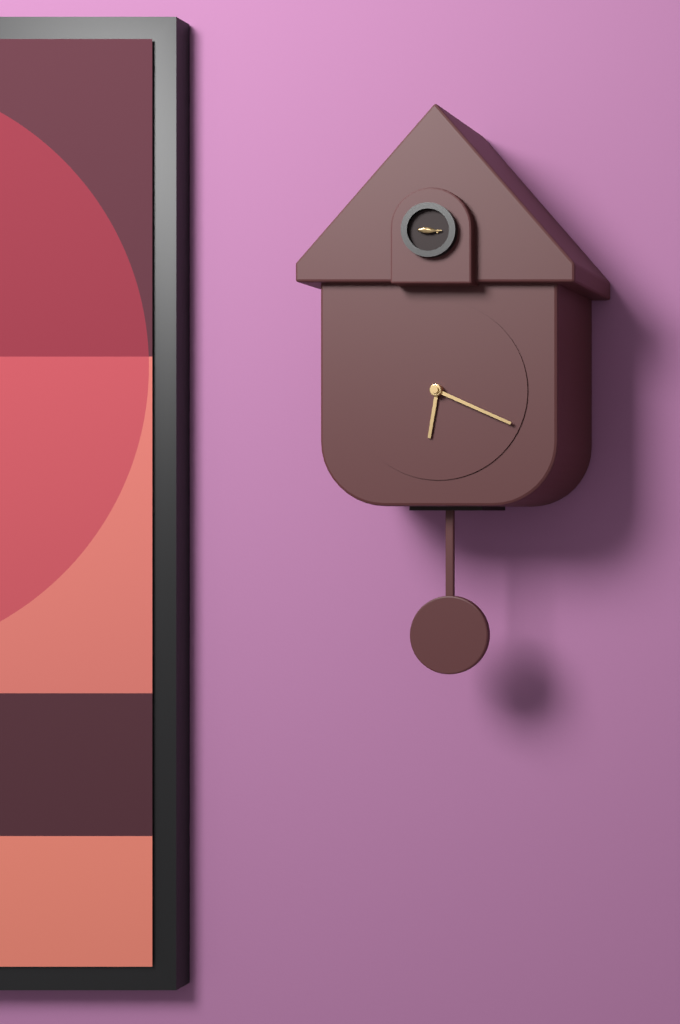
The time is **6:19**
